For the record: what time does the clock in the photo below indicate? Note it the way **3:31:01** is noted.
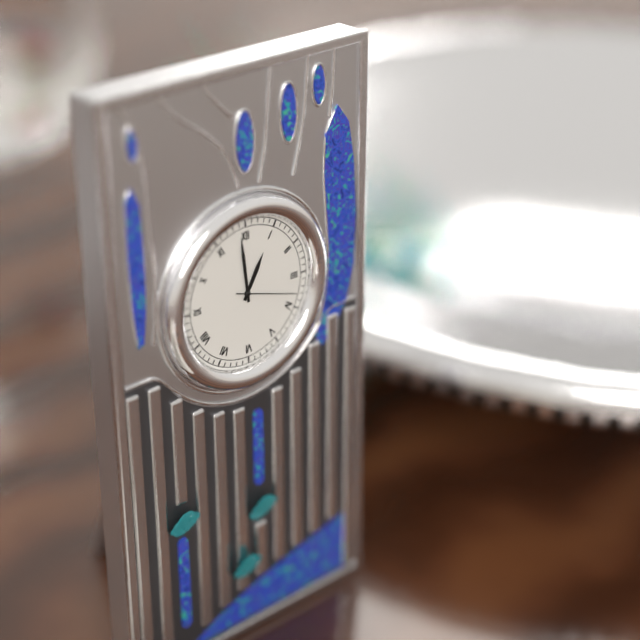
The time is **12:59:18**
